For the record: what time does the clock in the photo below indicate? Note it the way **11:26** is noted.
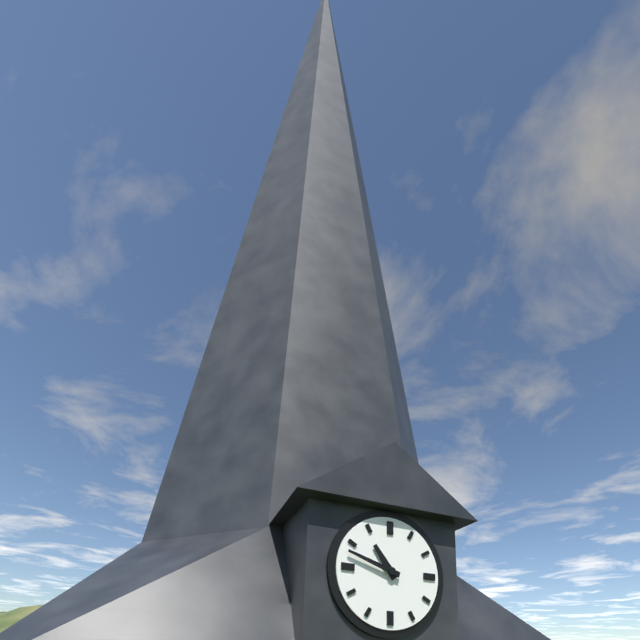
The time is **10:48**
